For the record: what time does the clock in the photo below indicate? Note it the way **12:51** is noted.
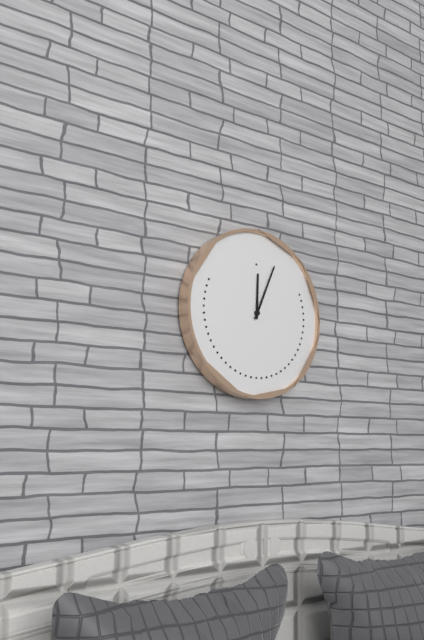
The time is **12:04**
